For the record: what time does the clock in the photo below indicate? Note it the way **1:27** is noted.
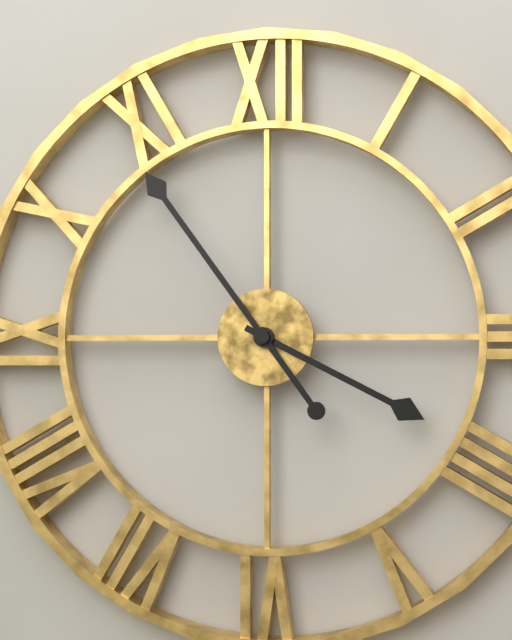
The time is **3:54**
